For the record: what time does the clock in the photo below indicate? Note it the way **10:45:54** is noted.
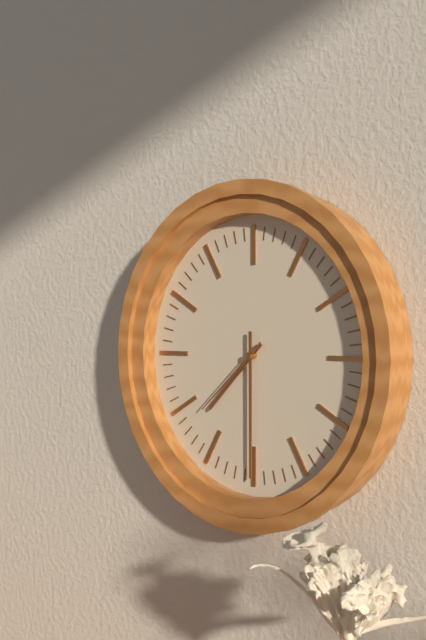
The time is **7:30:38**
